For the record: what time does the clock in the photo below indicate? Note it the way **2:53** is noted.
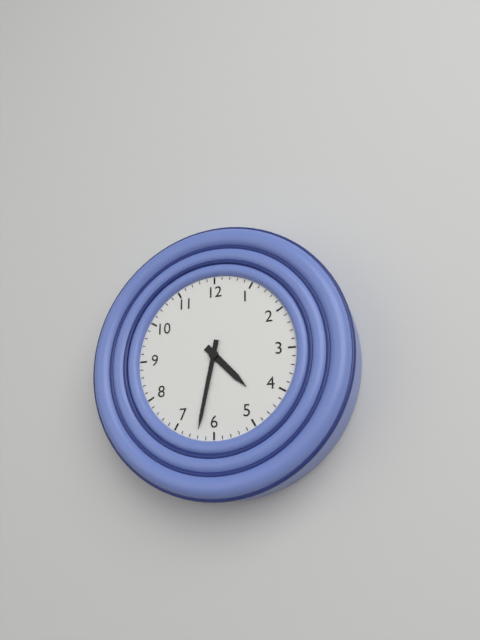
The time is **4:32**
